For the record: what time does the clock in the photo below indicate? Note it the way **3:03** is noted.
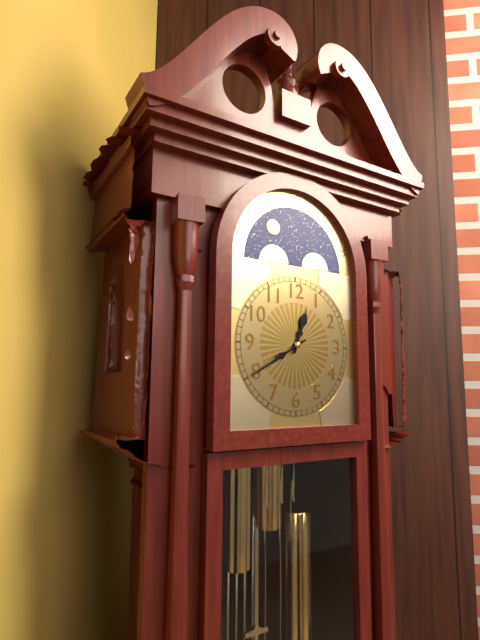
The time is **12:40**
